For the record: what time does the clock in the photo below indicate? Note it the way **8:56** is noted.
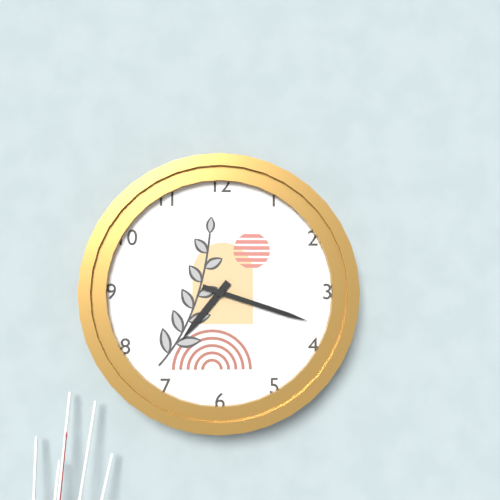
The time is **7:18**
